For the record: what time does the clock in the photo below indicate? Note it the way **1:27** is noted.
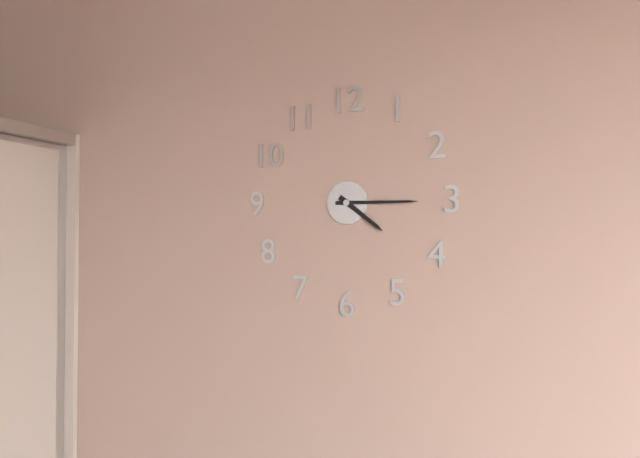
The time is **4:15**
